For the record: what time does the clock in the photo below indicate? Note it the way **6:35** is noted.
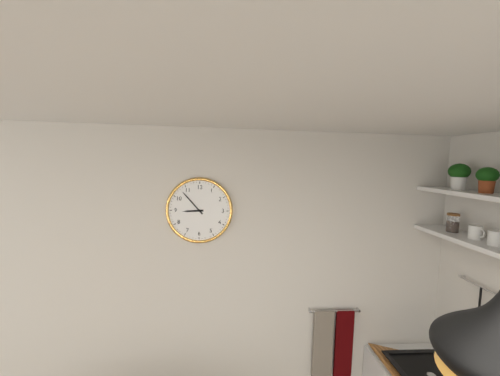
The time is **8:53**
